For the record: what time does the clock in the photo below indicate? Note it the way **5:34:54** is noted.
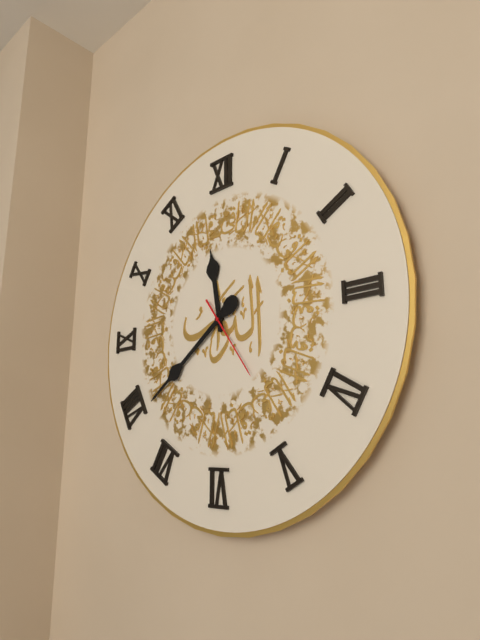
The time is **11:39:24**
